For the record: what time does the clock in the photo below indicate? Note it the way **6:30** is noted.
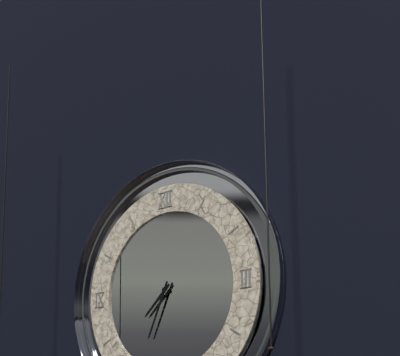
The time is **7:34**
